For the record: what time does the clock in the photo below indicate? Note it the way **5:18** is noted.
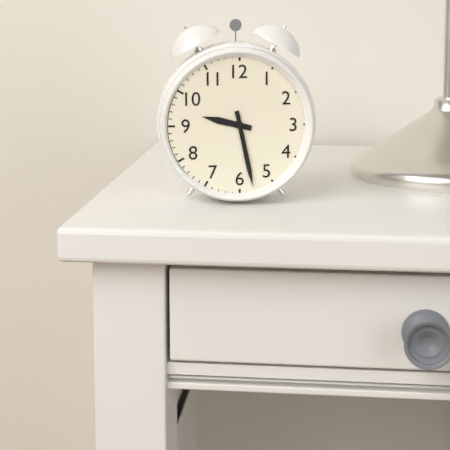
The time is **9:28**
